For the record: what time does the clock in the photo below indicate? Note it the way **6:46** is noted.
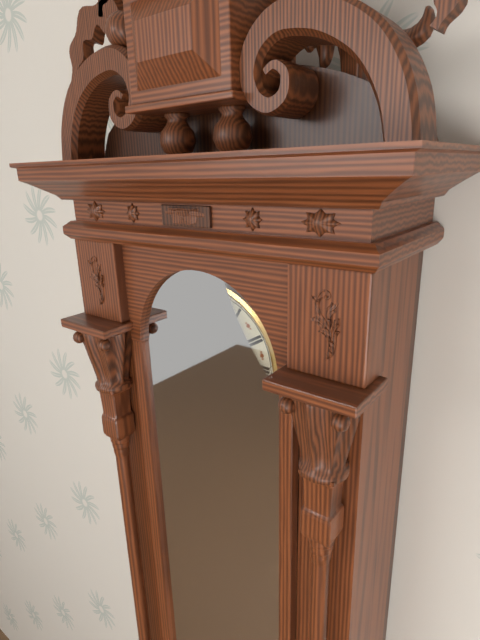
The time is **2:57**
